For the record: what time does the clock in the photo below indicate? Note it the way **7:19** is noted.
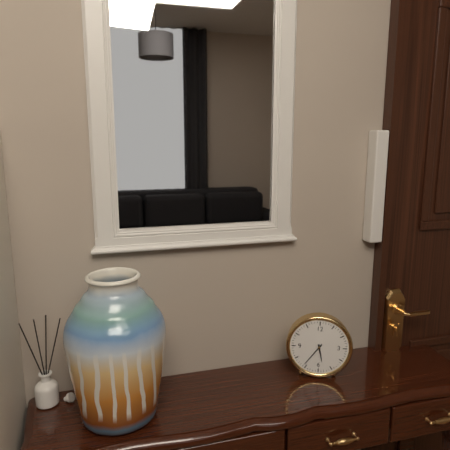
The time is **5:36**
